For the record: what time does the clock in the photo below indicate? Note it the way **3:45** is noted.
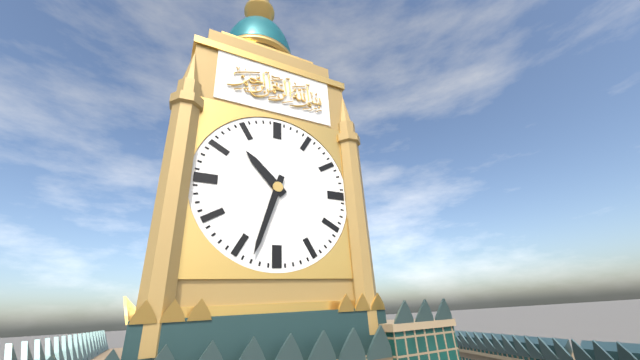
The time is **10:33**
